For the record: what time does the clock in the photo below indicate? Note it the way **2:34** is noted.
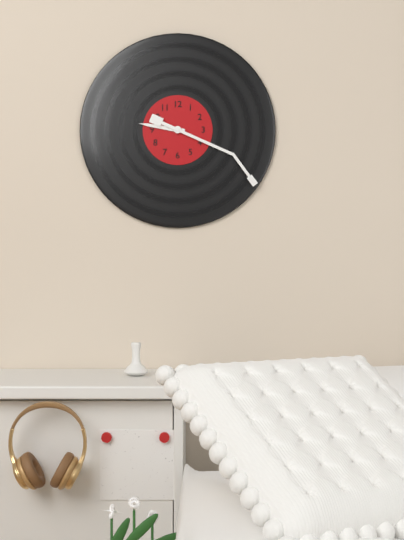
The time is **9:19**
